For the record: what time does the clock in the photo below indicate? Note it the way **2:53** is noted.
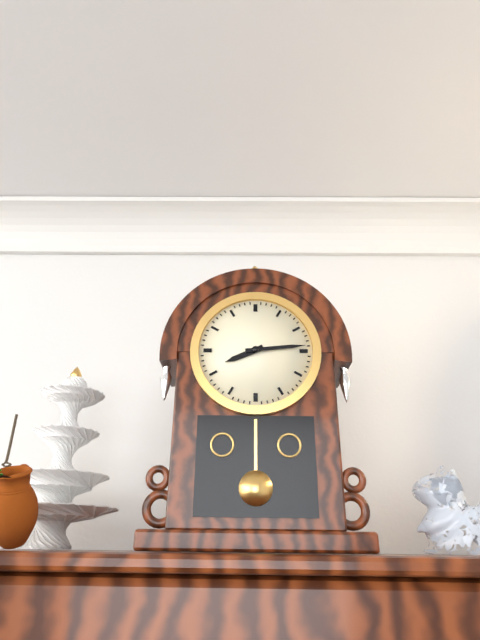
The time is **8:14**
